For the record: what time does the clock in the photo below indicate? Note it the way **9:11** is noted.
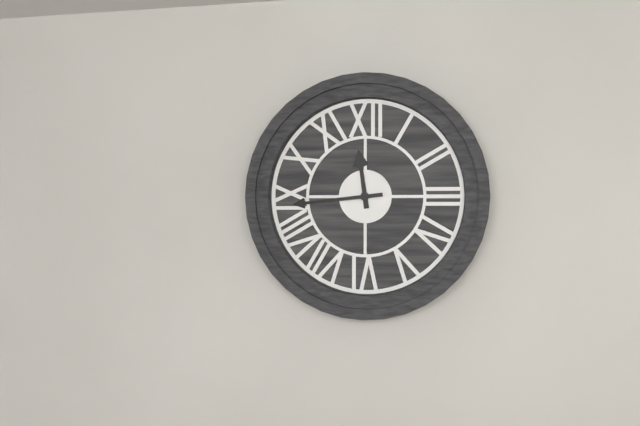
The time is **11:44**
